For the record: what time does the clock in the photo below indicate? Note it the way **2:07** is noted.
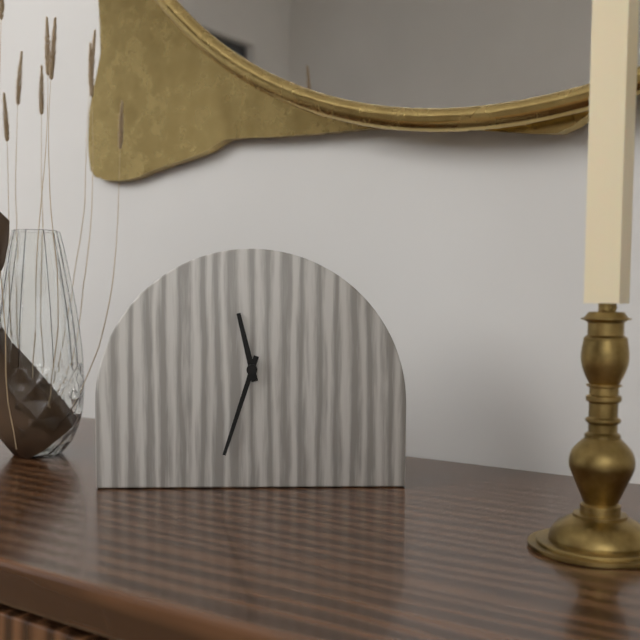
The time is **11:33**
